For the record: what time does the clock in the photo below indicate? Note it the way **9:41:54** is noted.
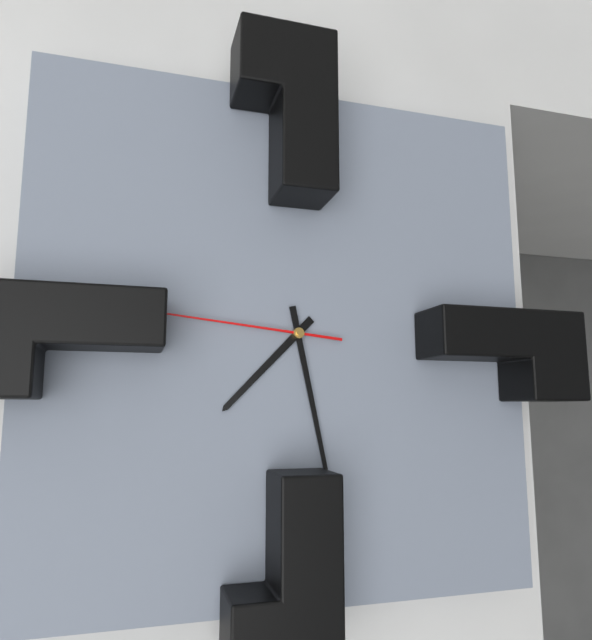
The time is **7:28:46**
